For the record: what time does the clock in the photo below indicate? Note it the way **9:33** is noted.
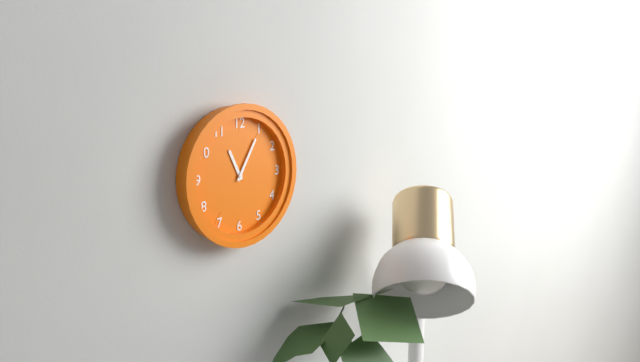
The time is **11:05**
